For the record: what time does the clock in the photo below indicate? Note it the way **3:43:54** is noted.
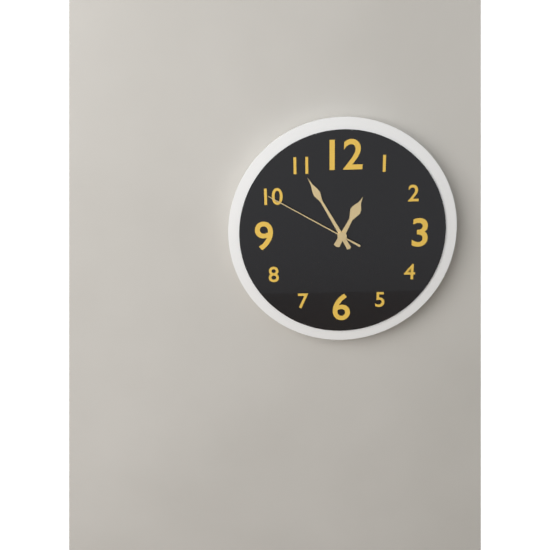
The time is **12:55:50**
